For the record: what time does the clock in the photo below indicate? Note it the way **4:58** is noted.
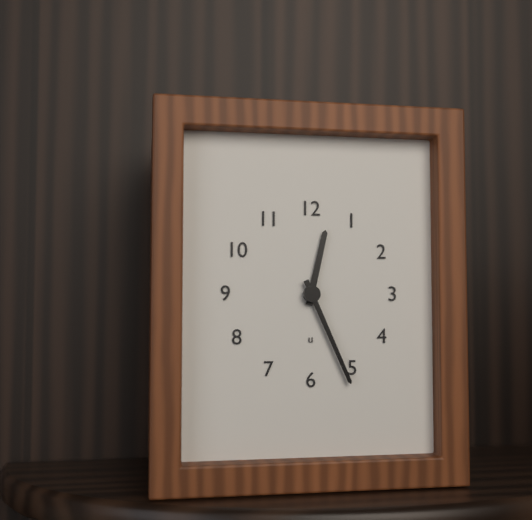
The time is **12:26**
